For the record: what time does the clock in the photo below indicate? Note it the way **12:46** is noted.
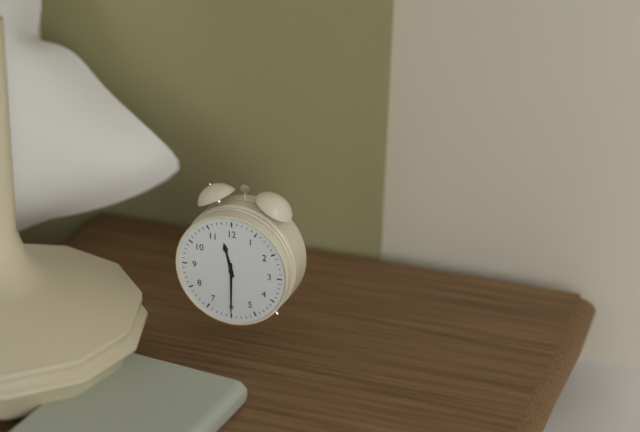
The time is **11:30**
